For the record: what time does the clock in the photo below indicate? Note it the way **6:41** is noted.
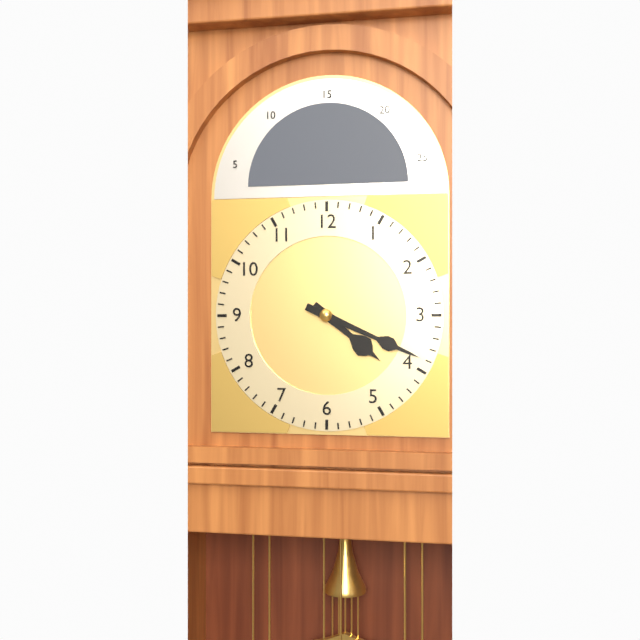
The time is **4:19**
